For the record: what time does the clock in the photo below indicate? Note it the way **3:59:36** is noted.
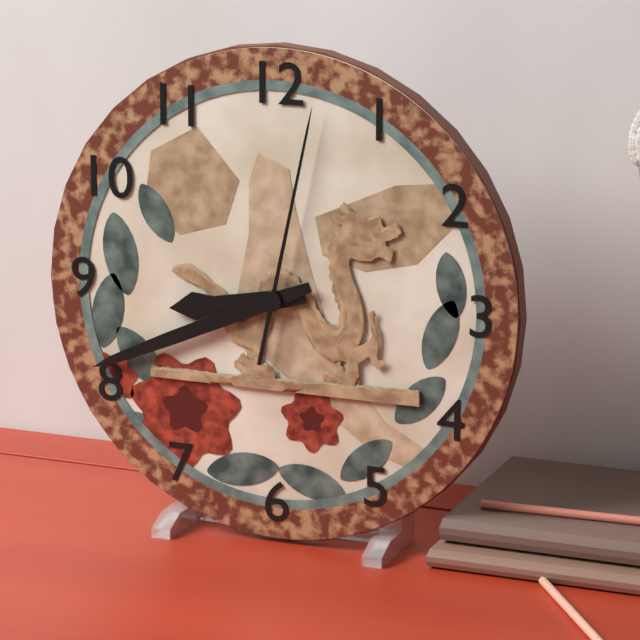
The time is **8:41:02**
